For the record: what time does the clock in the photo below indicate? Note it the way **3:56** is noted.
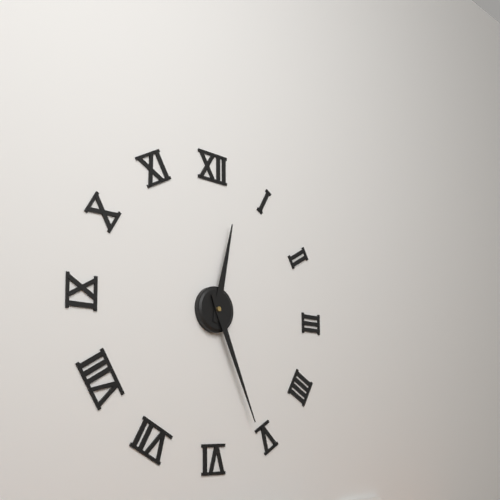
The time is **12:26**
